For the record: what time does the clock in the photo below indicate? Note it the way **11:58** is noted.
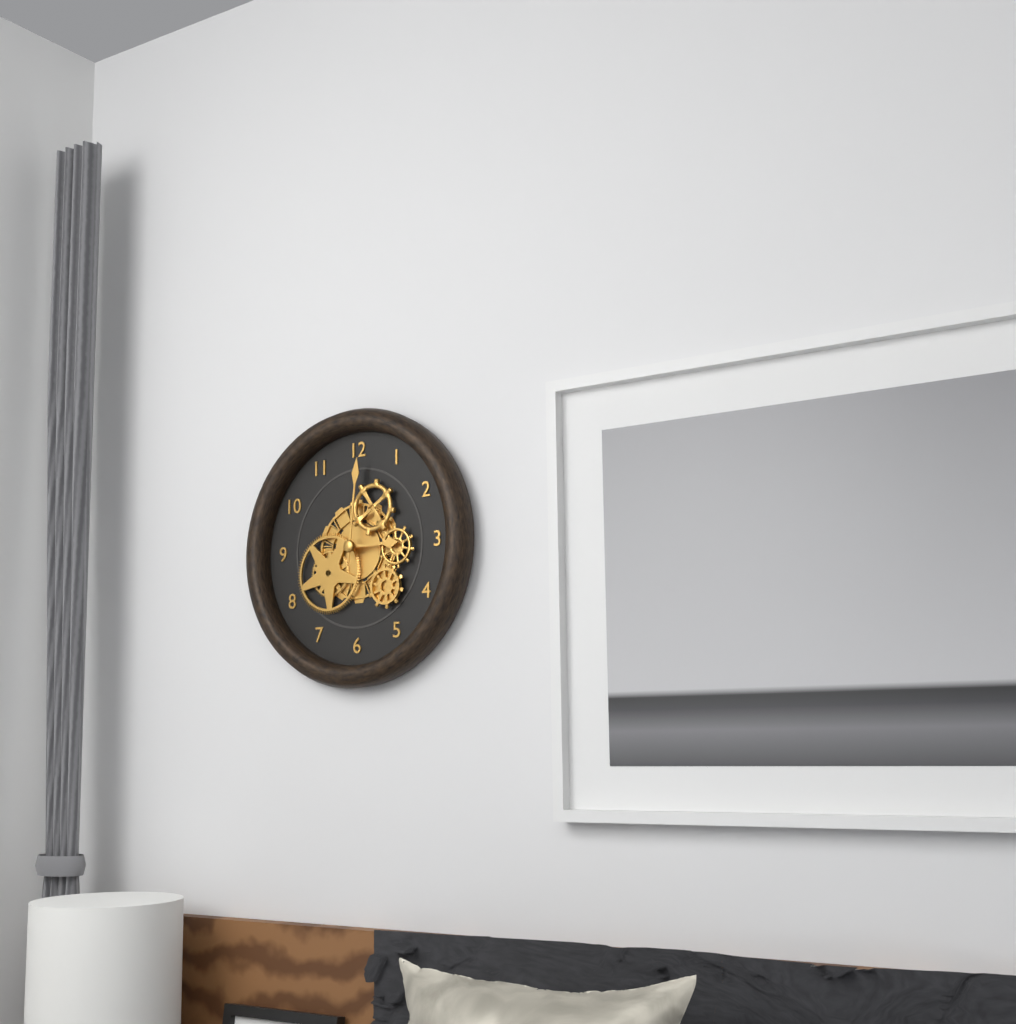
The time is **3:01**
